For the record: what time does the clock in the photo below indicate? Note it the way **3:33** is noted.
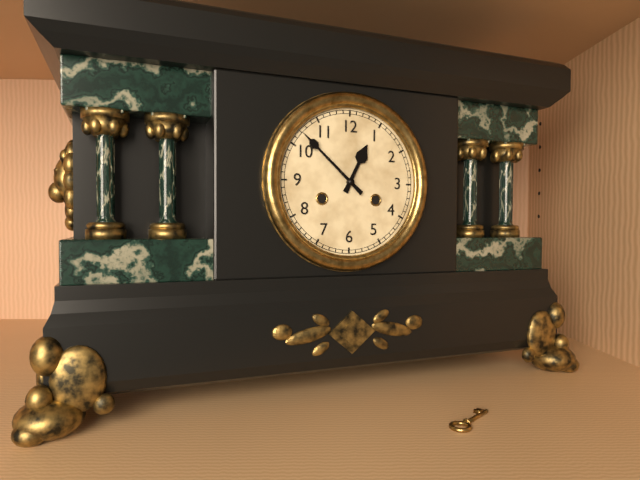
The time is **12:52**
